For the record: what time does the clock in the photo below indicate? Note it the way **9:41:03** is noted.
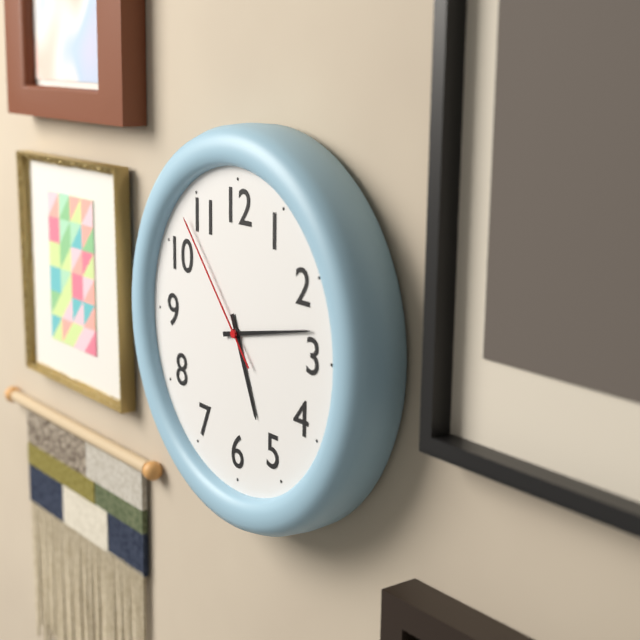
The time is **5:13:53**
